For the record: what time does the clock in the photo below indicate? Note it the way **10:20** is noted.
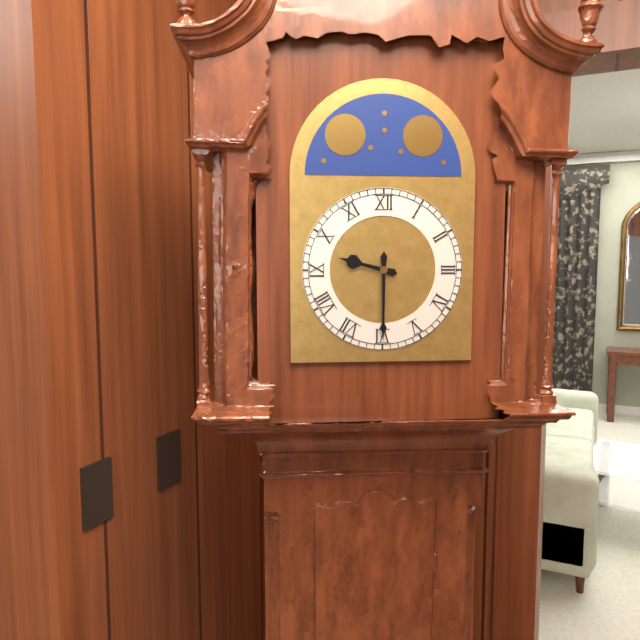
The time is **9:30**
